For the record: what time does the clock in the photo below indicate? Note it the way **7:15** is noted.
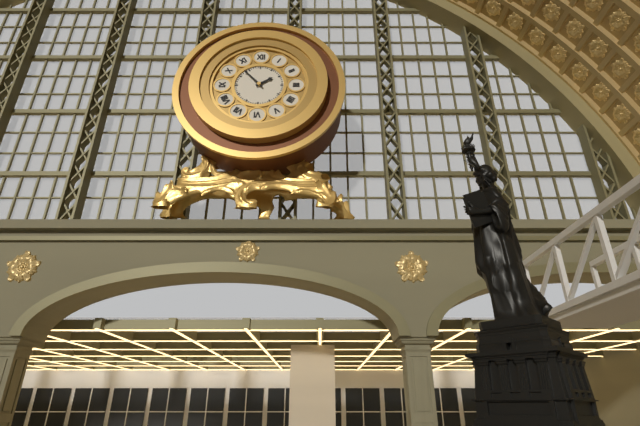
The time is **1:53**
